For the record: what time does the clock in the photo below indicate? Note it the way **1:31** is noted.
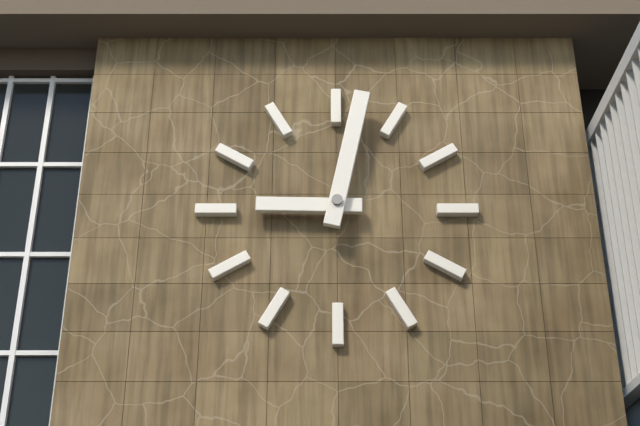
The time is **9:02**
